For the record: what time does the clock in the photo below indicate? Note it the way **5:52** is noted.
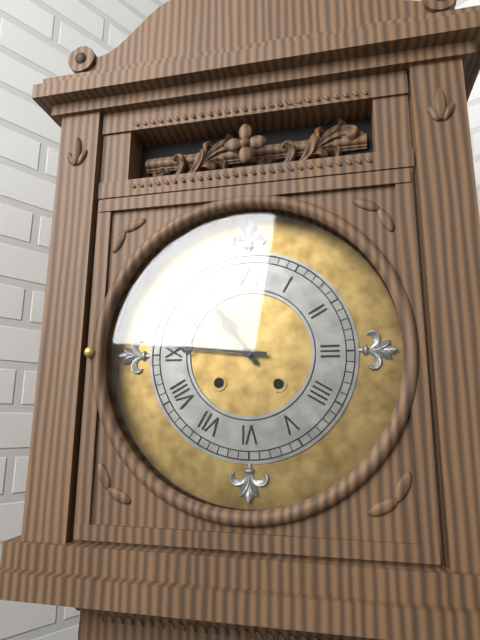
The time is **10:46**
